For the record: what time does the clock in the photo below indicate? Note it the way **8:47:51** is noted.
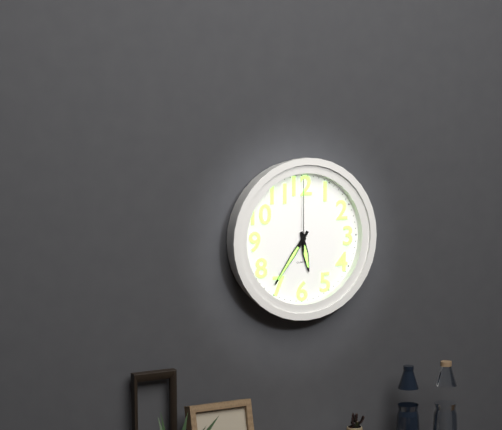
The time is **5:36:00**
